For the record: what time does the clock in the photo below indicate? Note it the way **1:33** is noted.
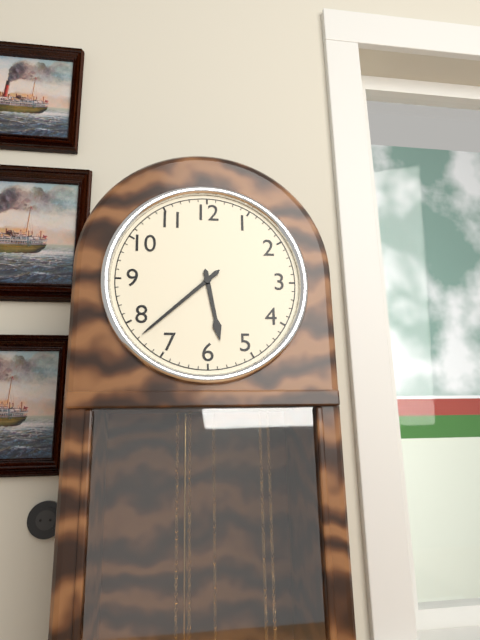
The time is **5:38**
